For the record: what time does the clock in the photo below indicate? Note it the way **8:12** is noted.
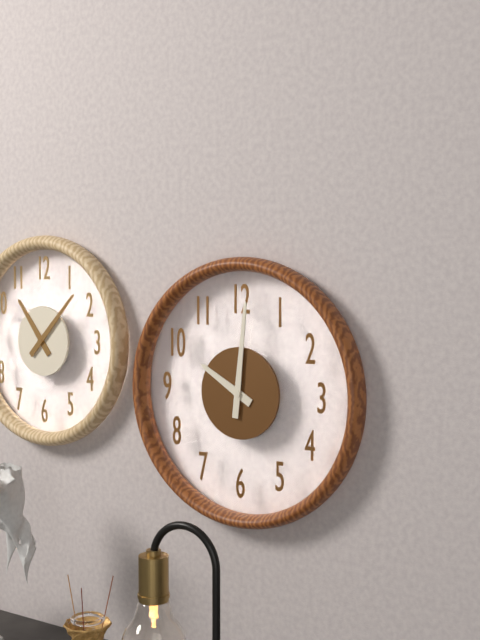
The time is **10:01**
